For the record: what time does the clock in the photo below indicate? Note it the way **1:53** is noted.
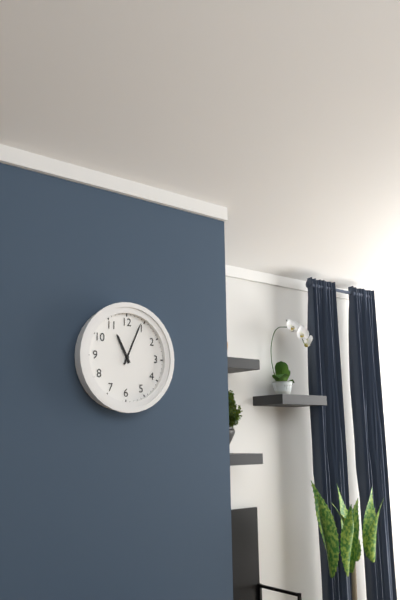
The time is **11:04**
